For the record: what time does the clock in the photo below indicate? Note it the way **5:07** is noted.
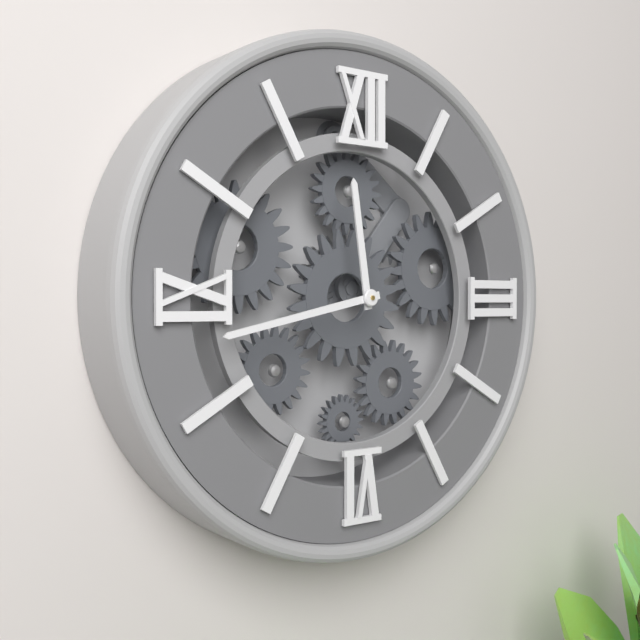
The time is **11:43**
